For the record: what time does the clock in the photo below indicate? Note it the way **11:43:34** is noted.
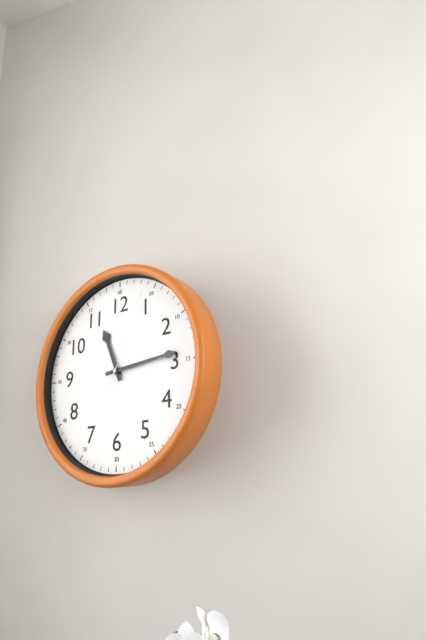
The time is **11:14:04**
